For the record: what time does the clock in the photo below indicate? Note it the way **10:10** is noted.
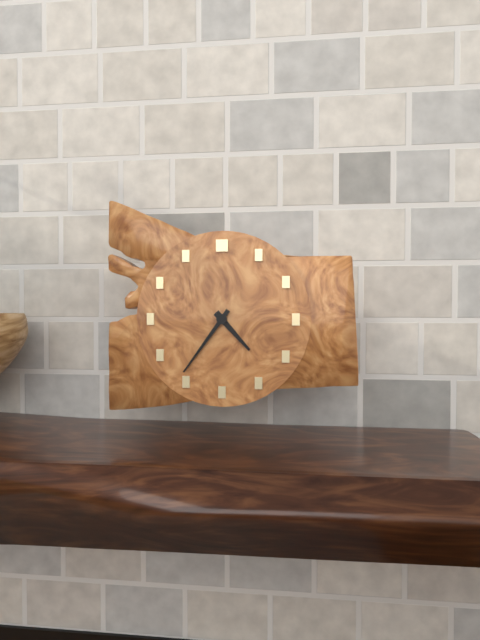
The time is **4:36**
